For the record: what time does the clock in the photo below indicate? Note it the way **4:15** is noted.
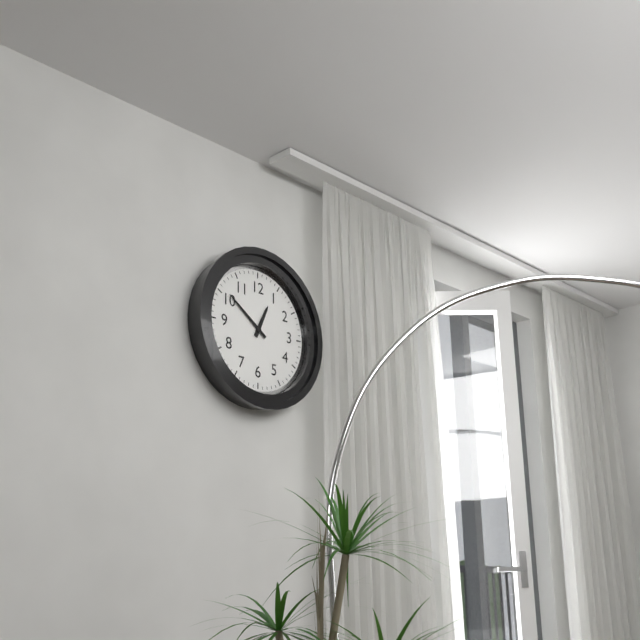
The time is **12:51**
